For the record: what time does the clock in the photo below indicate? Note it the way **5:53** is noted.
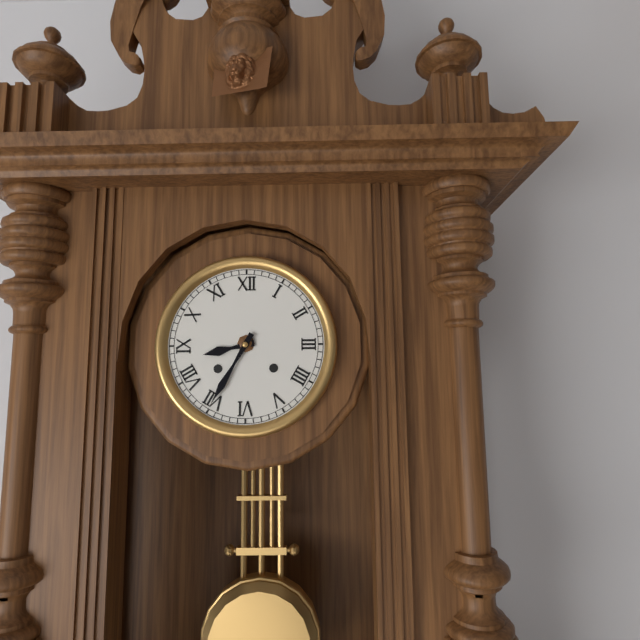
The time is **8:35**
